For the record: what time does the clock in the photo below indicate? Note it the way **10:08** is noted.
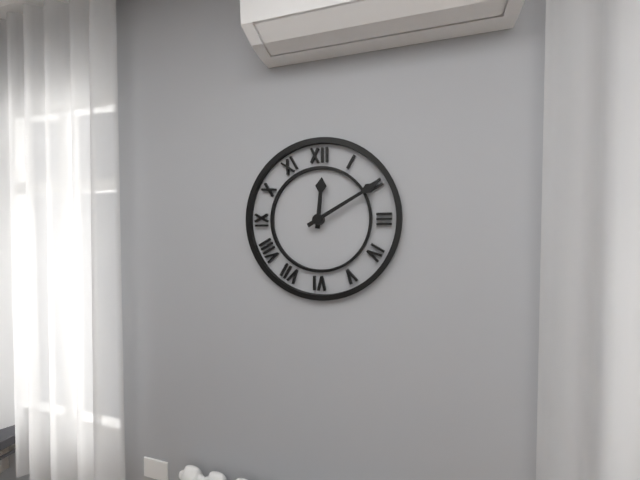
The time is **12:10**
